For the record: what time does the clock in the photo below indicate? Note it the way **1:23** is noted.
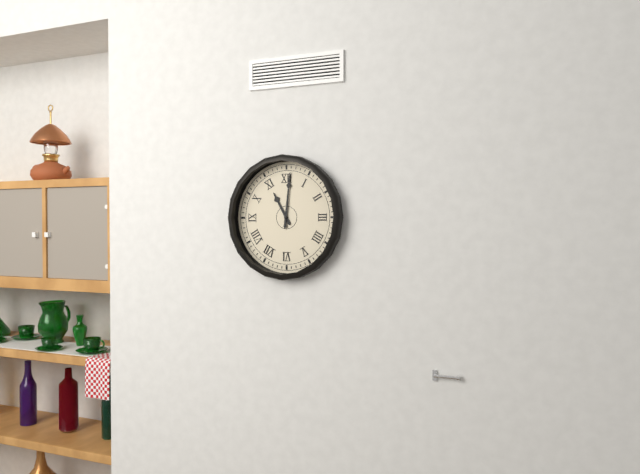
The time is **11:01**
